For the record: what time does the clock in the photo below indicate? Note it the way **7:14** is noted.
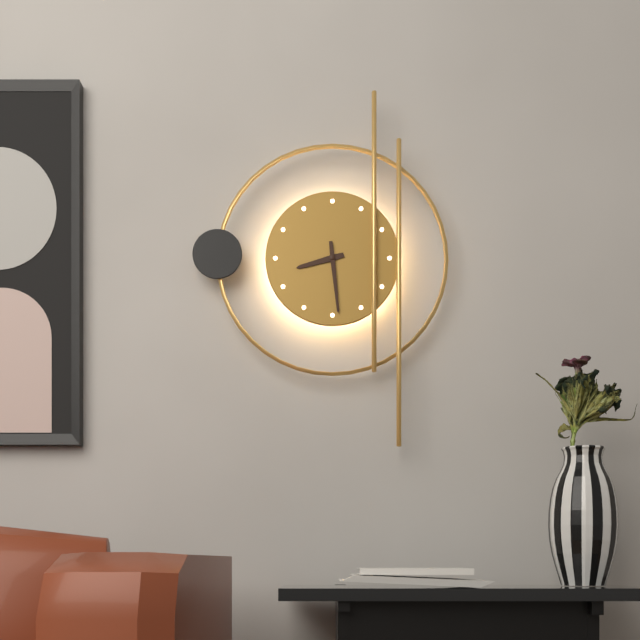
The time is **8:29**
